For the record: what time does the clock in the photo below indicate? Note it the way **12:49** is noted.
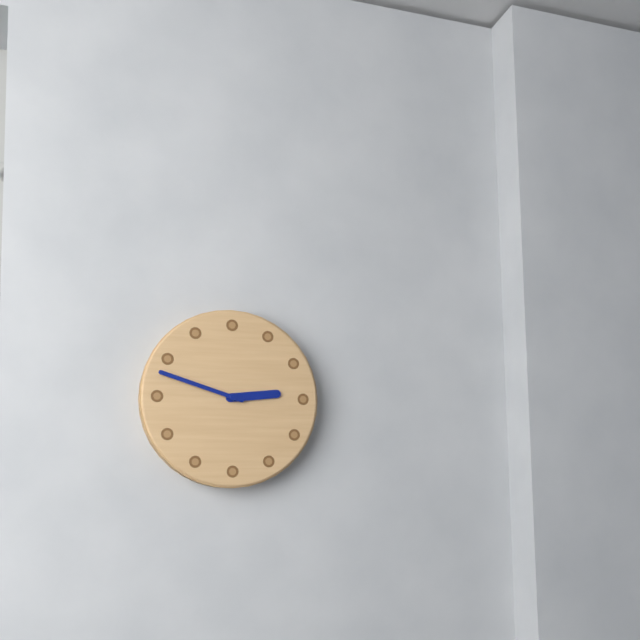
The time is **2:48**
